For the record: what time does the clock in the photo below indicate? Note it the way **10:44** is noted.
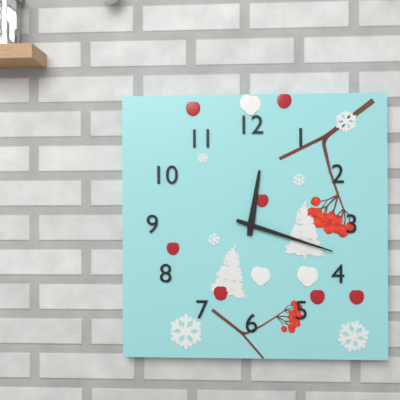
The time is **12:18**
